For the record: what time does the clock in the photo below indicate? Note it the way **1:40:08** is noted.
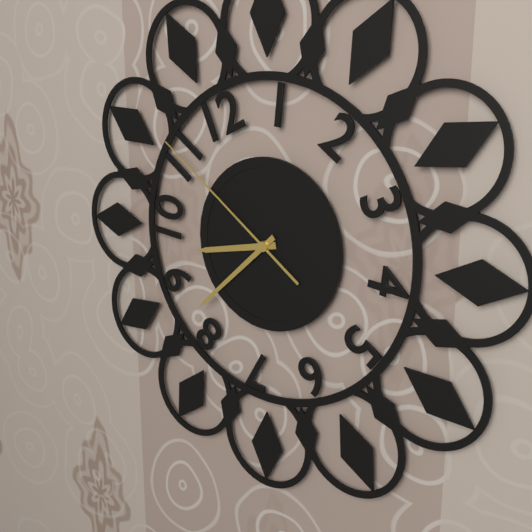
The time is **8:38:51**
